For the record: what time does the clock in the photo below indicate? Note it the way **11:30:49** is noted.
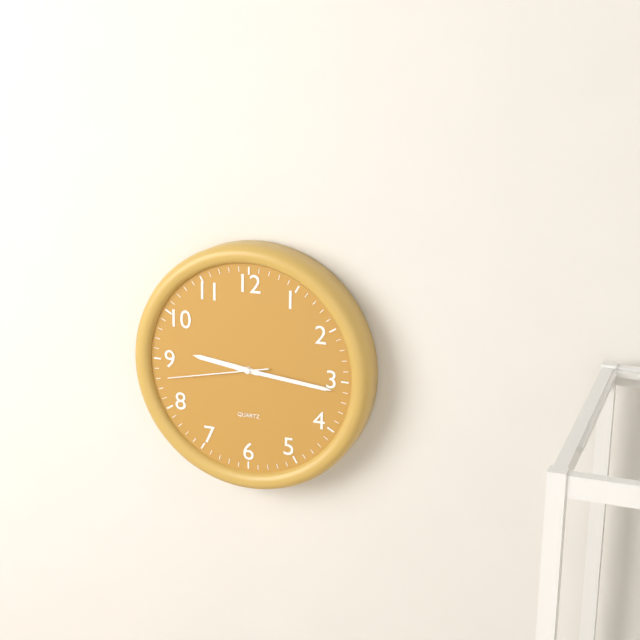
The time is **9:16:43**
